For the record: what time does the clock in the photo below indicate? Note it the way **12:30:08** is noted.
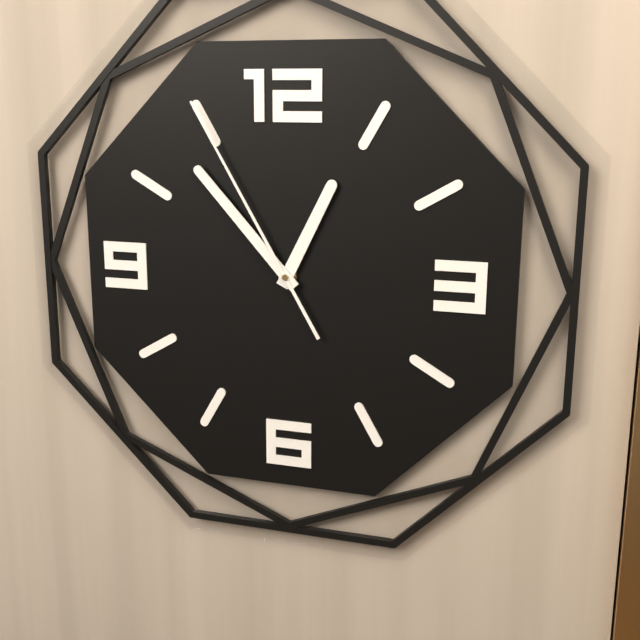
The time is **12:53:55**
